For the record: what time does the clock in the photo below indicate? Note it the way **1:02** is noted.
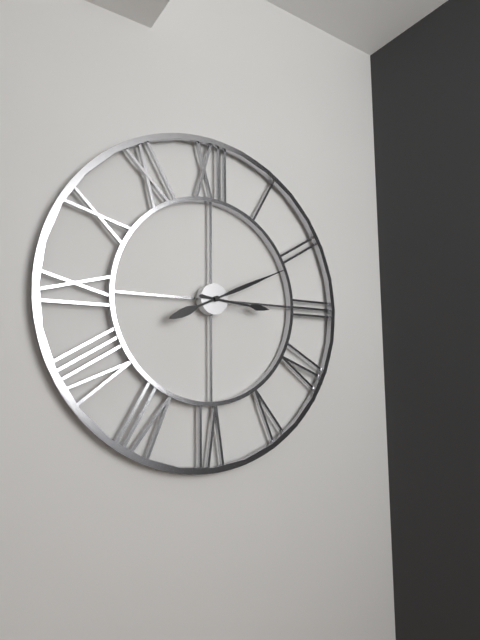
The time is **3:11**
